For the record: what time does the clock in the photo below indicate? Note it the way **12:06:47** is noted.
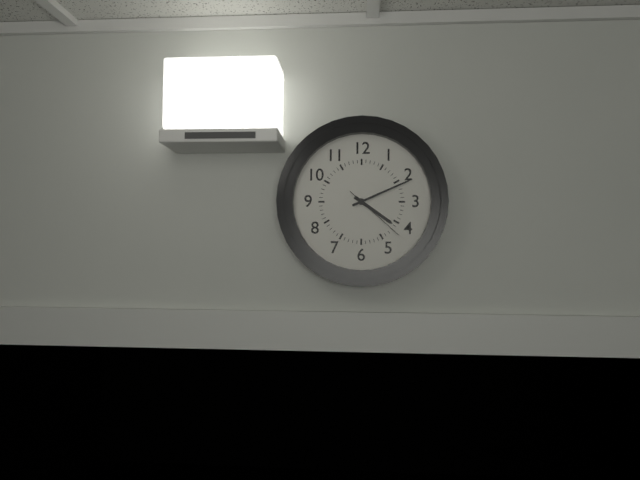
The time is **4:11:22**
